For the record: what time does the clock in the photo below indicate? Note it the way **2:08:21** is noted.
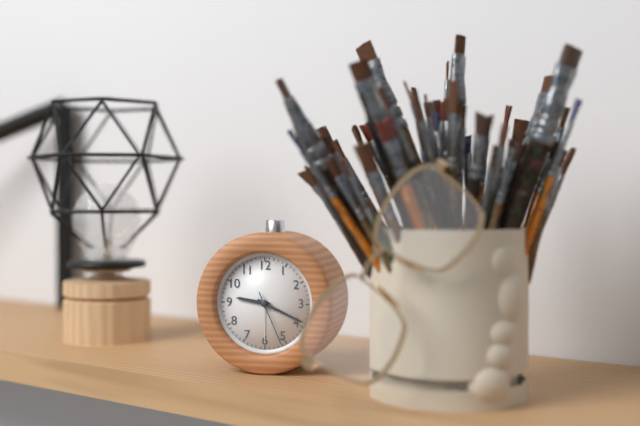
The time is **9:19:26**
